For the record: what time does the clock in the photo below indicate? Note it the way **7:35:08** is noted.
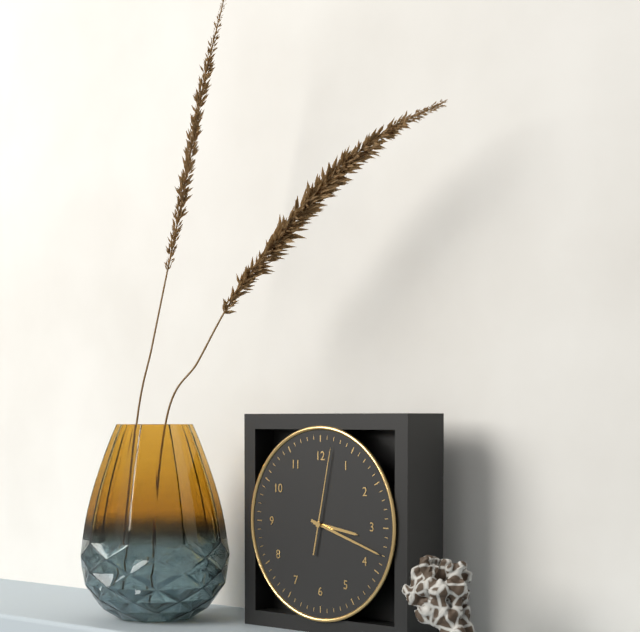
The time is **3:18:02**
